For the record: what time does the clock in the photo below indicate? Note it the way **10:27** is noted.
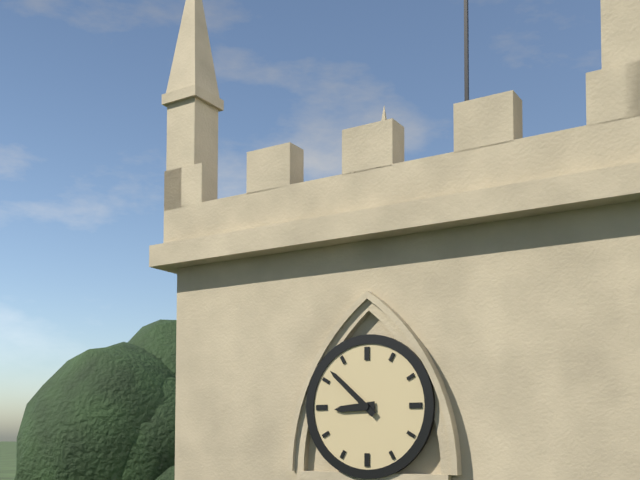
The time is **8:52**
